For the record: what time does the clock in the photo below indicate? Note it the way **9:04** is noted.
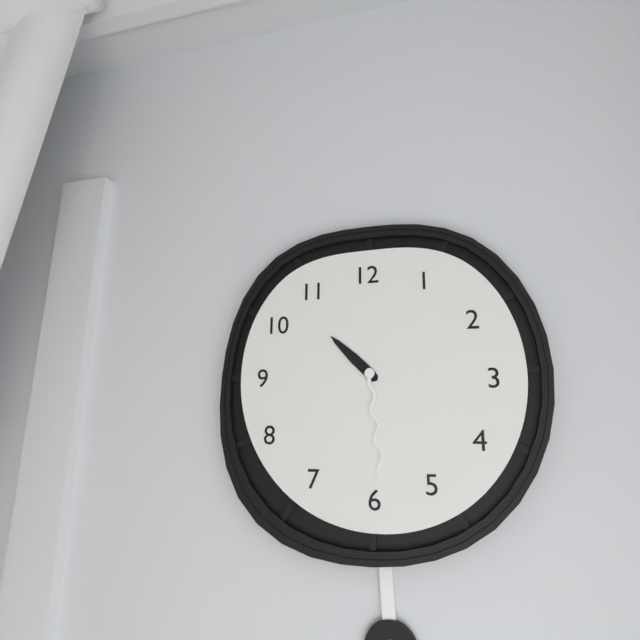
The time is **10:29**
